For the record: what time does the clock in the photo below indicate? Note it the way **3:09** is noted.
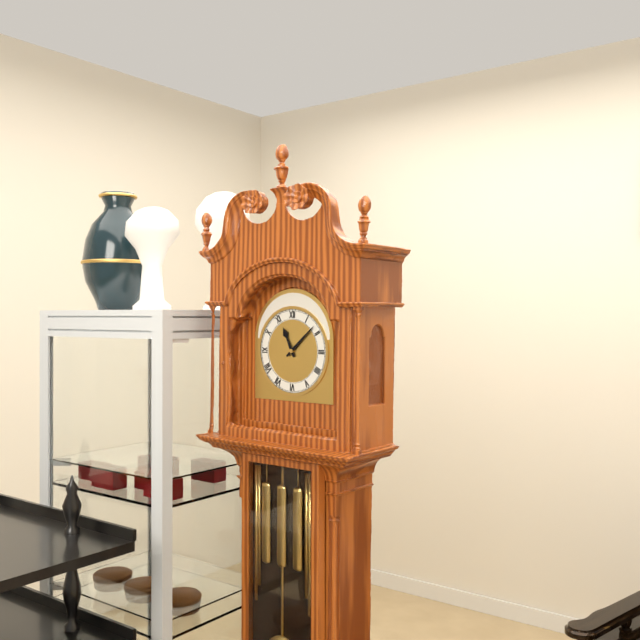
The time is **11:08**
